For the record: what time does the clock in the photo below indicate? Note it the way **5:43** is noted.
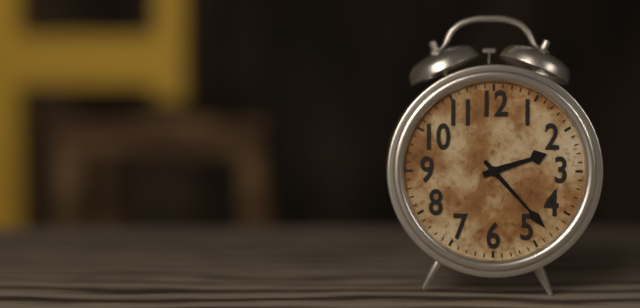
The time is **2:23**
